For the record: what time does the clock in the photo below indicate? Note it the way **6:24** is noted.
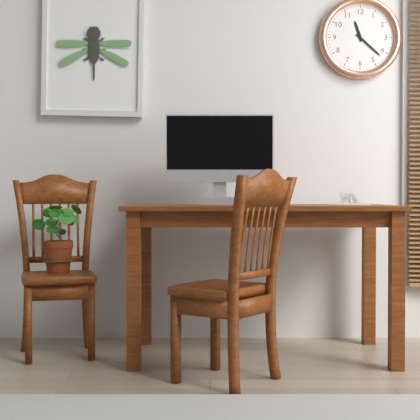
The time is **11:22**
